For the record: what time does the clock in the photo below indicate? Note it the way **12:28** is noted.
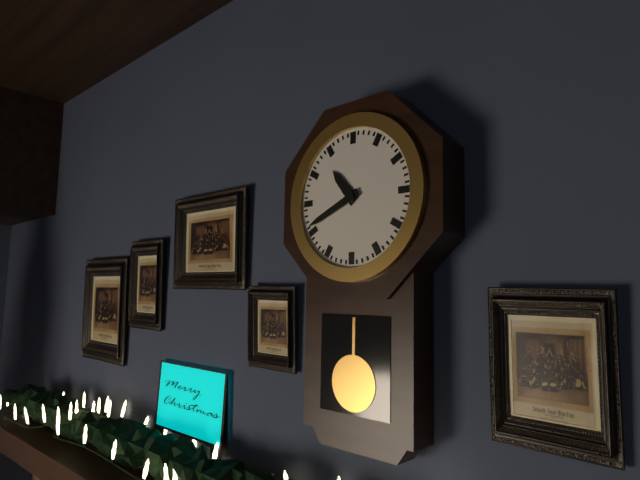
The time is **10:41**
